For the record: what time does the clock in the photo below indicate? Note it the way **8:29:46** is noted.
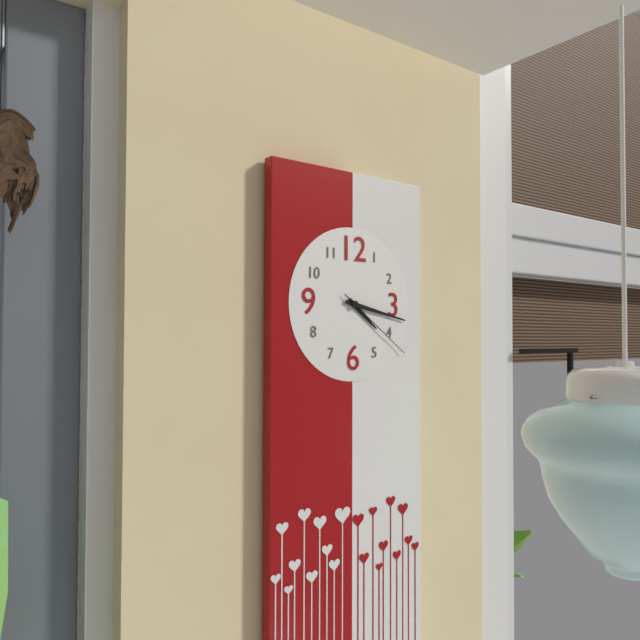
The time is **4:17:21**
